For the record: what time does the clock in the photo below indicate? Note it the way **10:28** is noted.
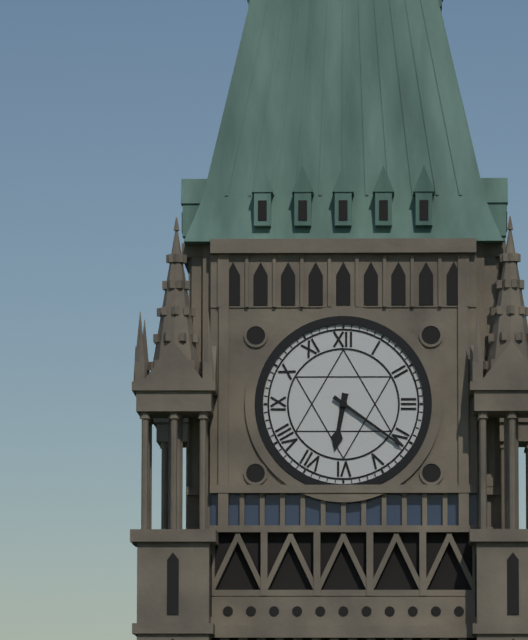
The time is **6:21**
